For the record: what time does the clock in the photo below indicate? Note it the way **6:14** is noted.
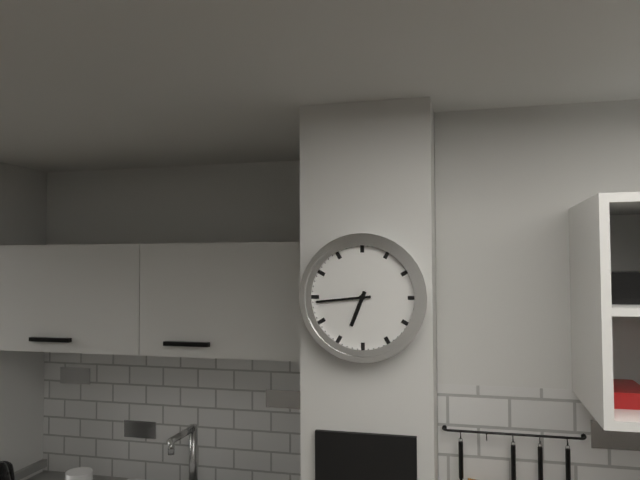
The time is **6:44**
